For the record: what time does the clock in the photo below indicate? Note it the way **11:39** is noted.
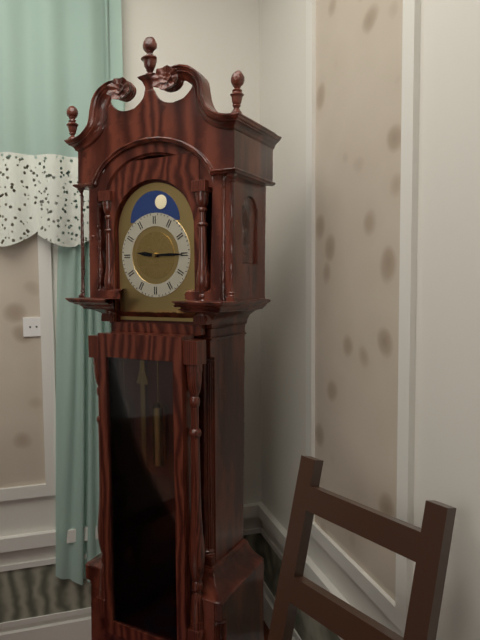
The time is **9:15**
